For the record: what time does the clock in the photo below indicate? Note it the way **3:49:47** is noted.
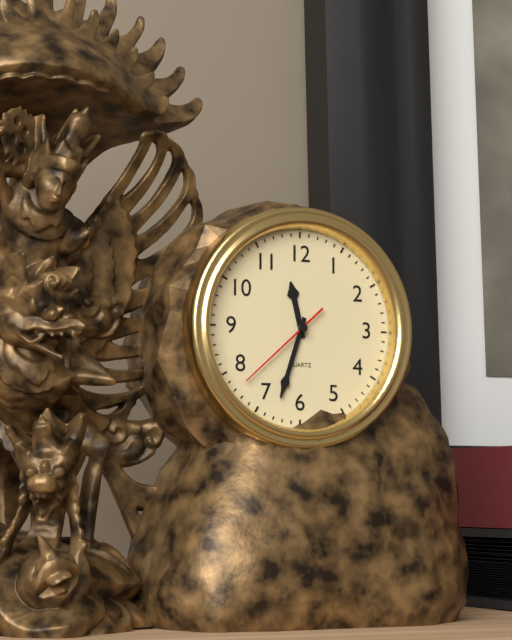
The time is **11:33:38**
